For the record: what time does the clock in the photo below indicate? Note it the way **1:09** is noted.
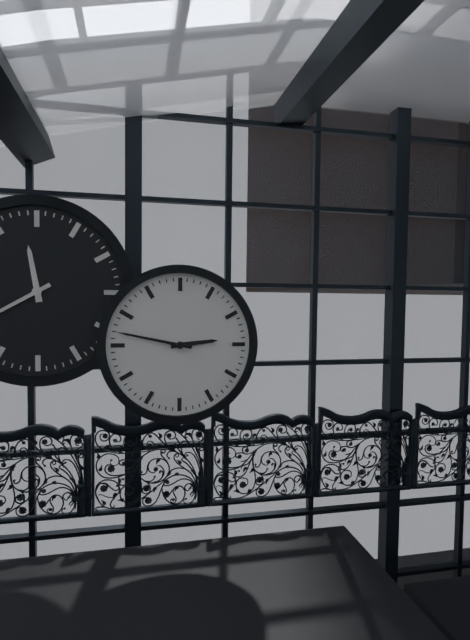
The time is **2:47**
